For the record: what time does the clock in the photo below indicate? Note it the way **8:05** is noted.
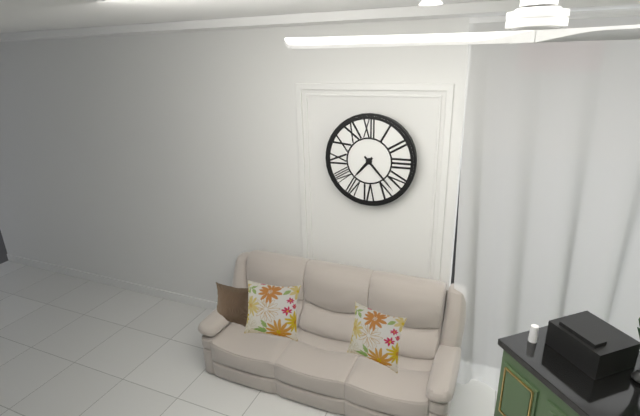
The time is **7:23**
